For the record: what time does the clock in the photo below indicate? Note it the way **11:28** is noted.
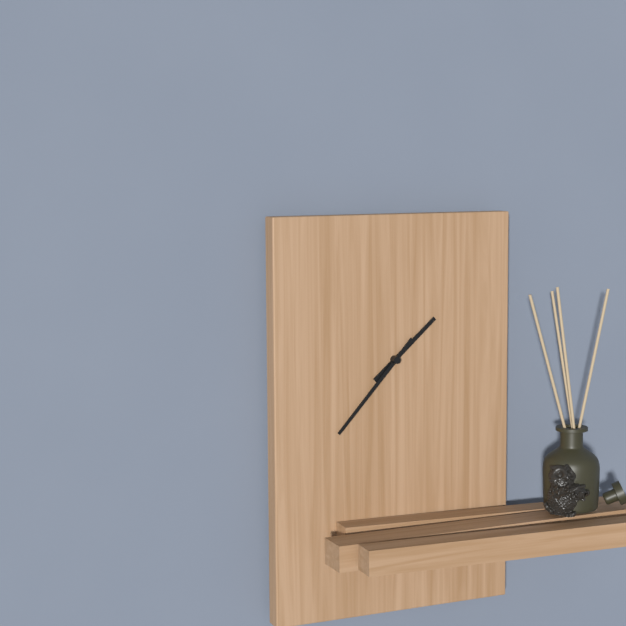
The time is **1:37**
